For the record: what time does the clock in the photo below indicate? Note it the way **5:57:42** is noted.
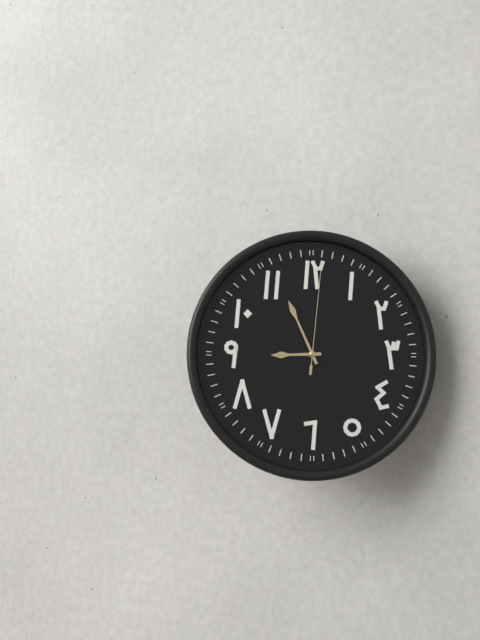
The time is **8:56:01**
